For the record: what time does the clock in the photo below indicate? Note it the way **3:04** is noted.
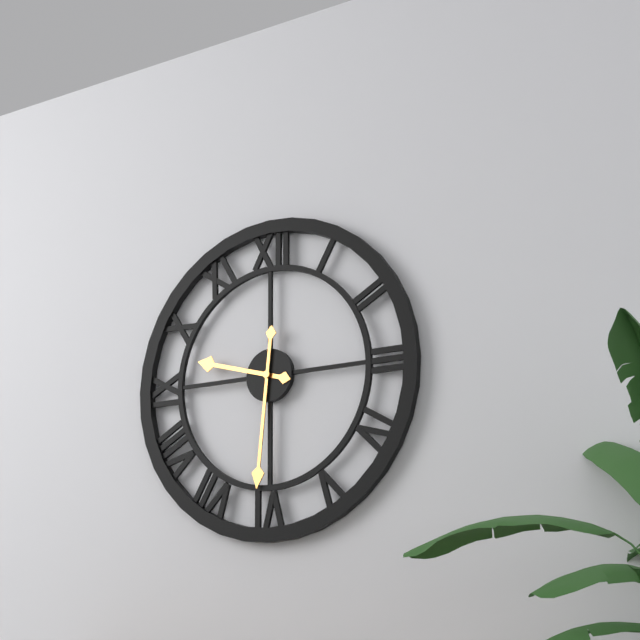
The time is **9:31**
